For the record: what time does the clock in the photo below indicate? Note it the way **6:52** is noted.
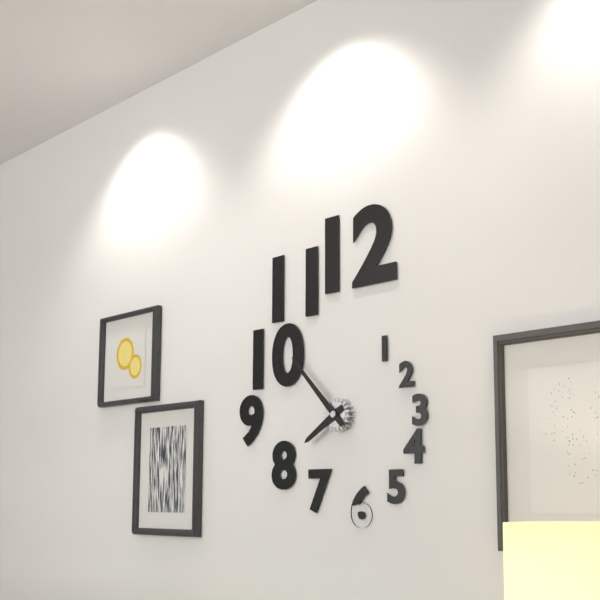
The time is **7:53**
